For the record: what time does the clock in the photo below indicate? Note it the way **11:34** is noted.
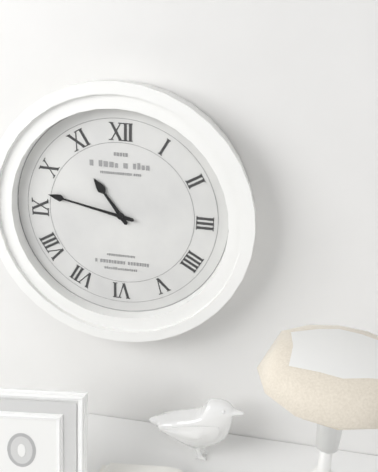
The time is **10:47**
